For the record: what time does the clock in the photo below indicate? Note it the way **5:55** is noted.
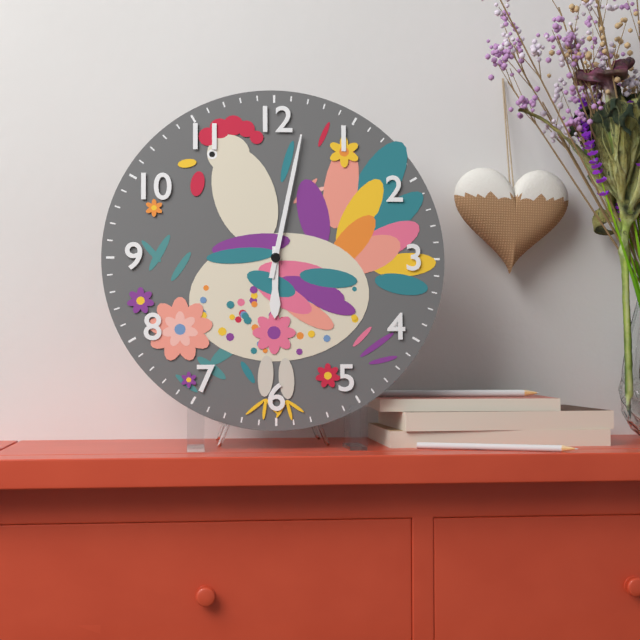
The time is **6:02**
